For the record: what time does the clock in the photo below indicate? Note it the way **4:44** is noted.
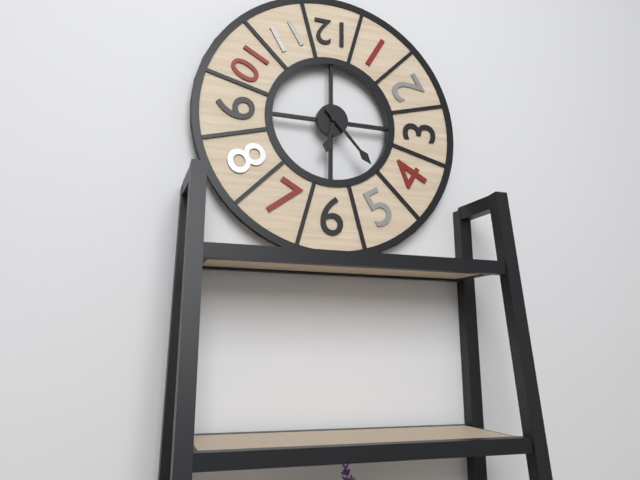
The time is **6:23**
